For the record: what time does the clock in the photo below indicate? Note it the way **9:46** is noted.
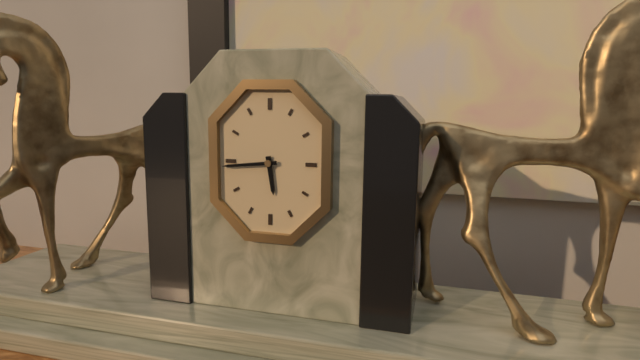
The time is **5:44**
